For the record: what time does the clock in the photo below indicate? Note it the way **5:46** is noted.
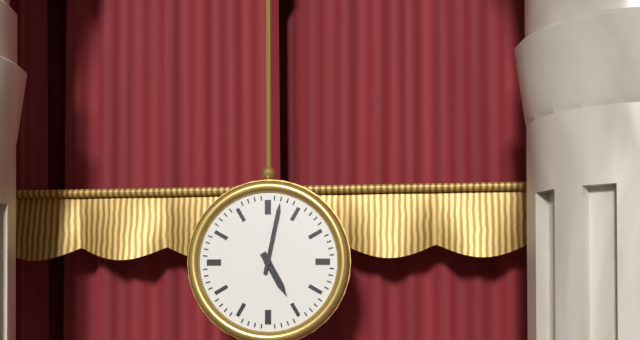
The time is **5:02**
